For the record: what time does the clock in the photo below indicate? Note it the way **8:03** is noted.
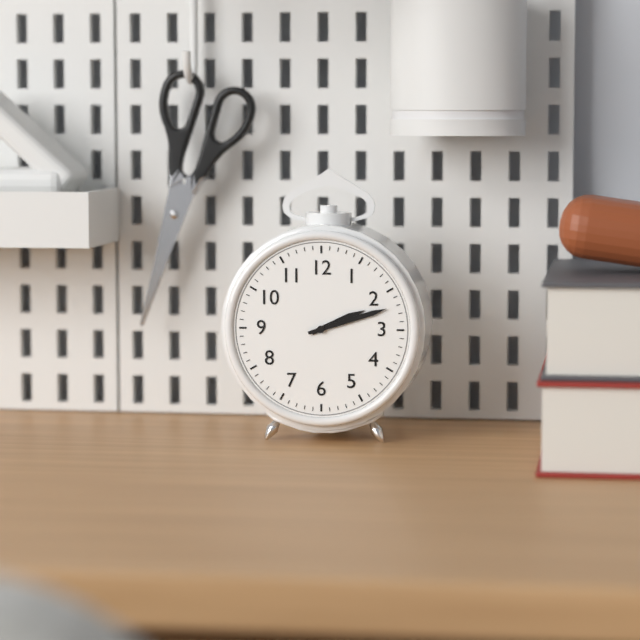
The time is **2:12**
